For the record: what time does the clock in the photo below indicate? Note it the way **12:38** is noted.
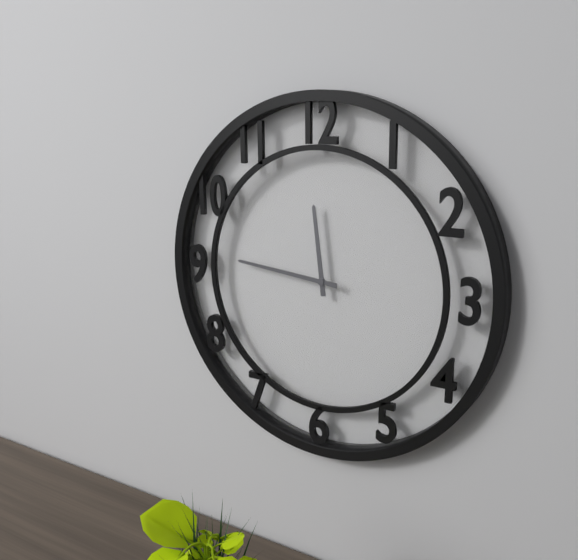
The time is **11:46**
